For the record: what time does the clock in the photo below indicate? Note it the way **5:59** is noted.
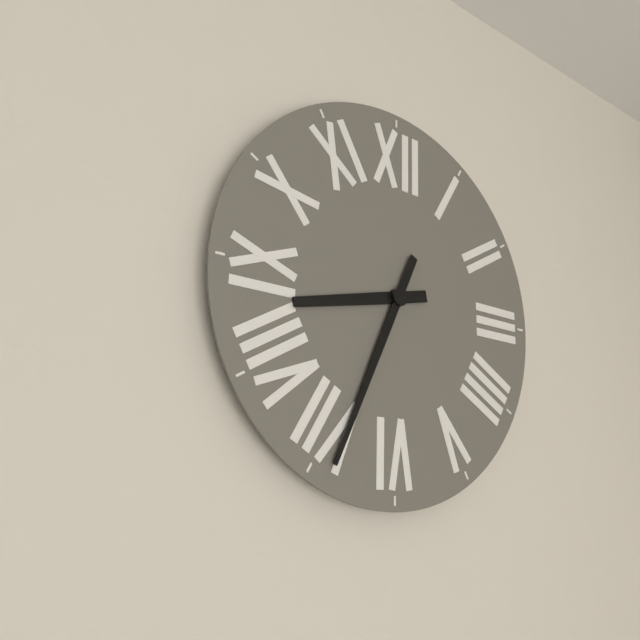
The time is **8:34**
